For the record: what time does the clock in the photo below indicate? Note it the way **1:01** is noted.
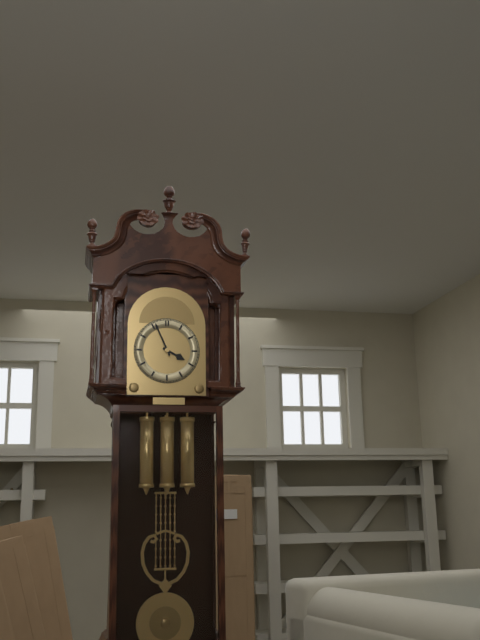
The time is **3:56**
